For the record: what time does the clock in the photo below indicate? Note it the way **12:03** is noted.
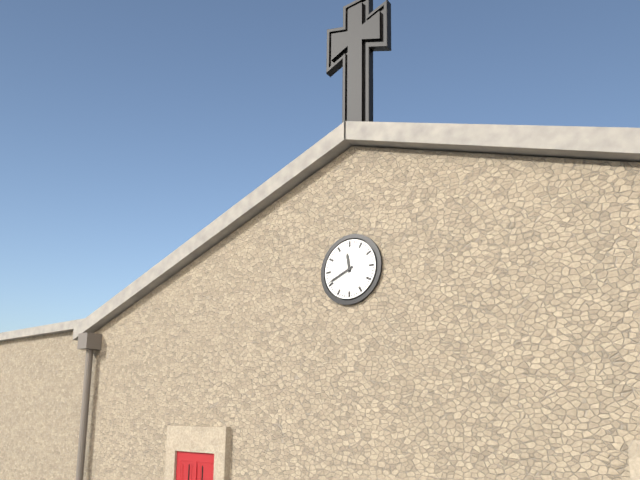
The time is **11:41**
